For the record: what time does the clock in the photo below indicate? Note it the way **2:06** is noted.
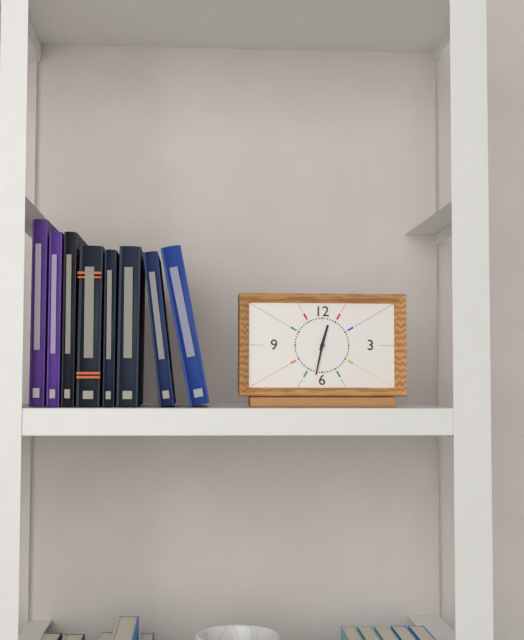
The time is **12:32**
